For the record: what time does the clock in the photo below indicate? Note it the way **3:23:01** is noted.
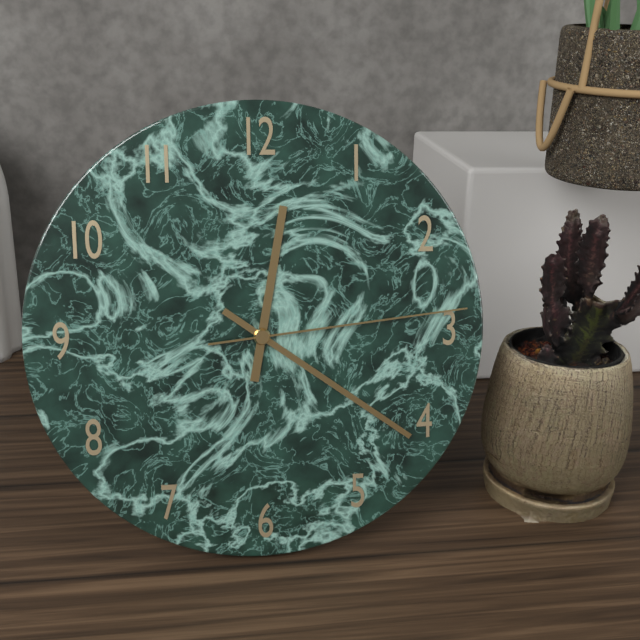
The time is **12:21:14**
